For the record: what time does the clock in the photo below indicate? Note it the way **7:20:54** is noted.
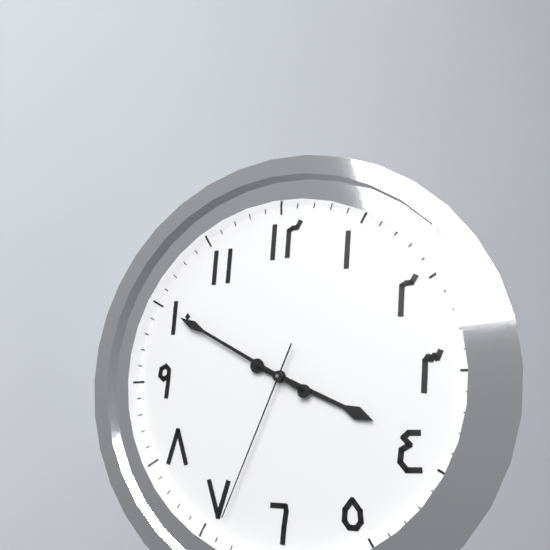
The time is **3:50:34**
